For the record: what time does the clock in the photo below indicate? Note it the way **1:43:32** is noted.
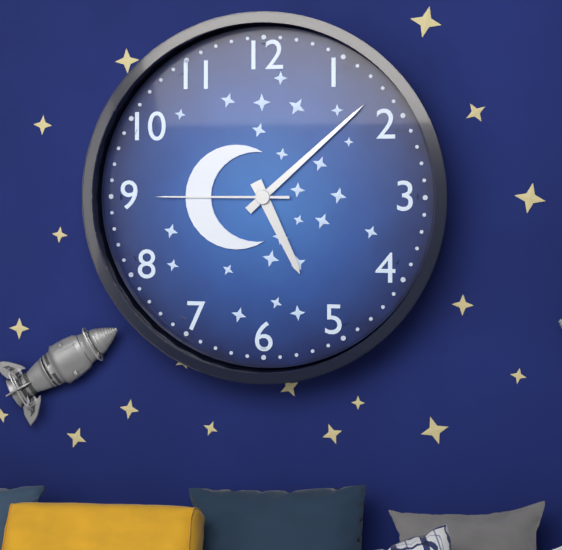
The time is **5:08:45**
